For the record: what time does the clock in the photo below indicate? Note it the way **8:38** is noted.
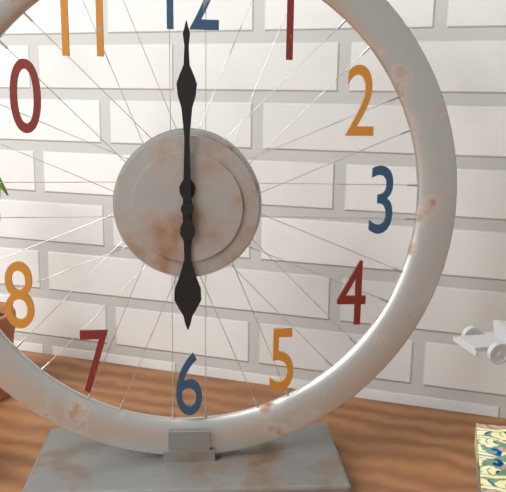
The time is **6:00**
